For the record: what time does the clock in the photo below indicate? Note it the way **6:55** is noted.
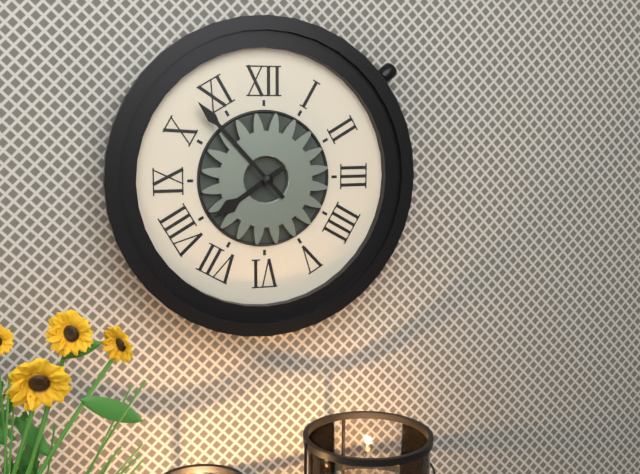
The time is **7:53**
